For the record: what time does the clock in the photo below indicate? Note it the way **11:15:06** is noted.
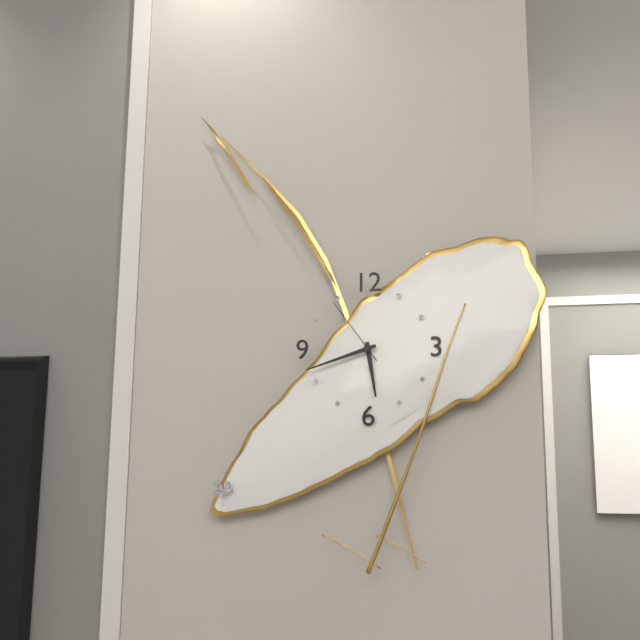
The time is **5:42:54**
